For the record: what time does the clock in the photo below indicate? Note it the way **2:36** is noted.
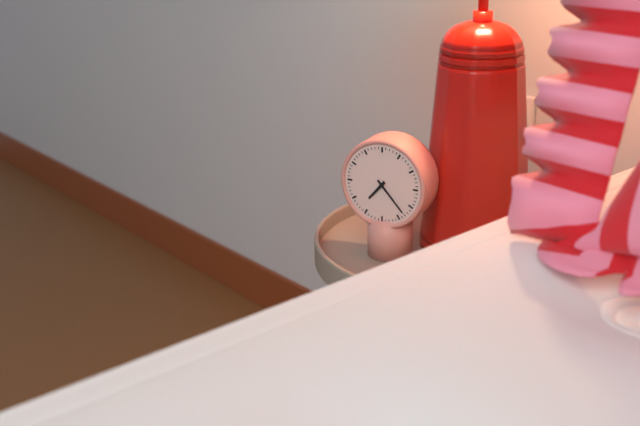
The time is **7:23**
